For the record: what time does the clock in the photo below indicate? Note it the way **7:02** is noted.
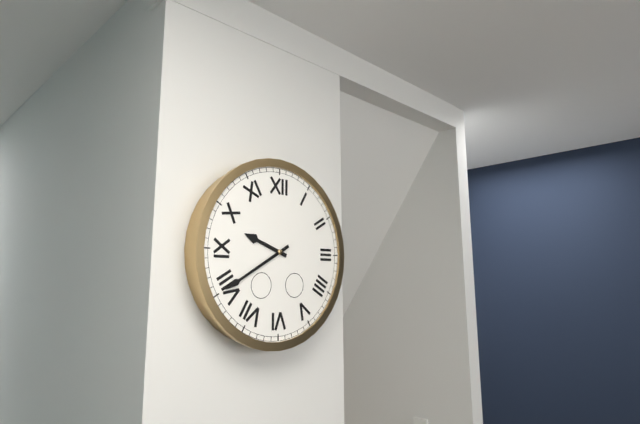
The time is **9:40**
